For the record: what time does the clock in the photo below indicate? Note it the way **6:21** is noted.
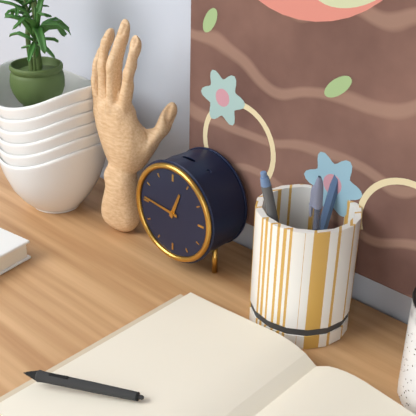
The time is **12:46**
